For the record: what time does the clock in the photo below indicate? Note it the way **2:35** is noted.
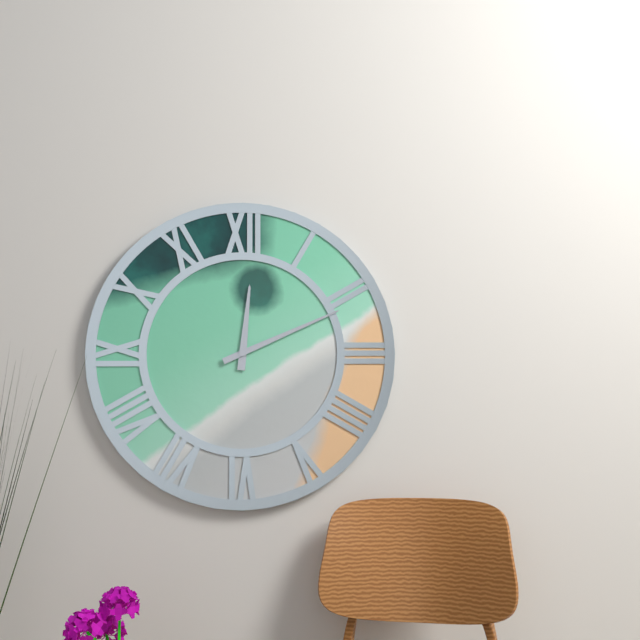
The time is **12:11**
